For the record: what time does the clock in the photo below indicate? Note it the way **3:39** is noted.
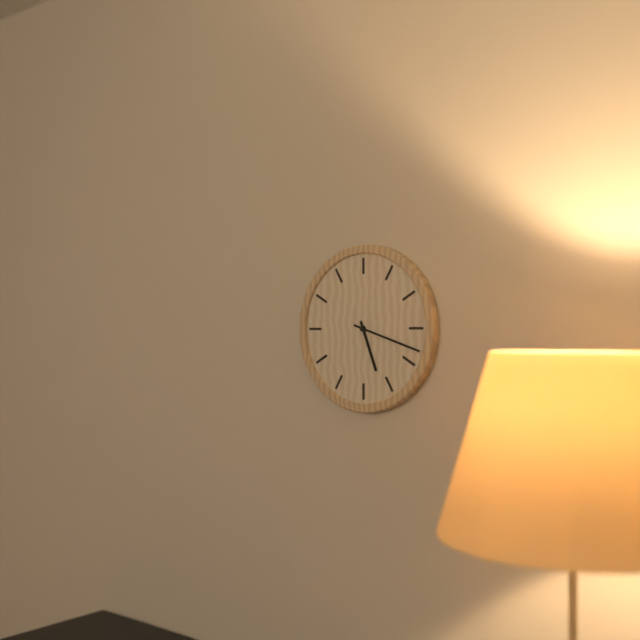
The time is **5:18**
